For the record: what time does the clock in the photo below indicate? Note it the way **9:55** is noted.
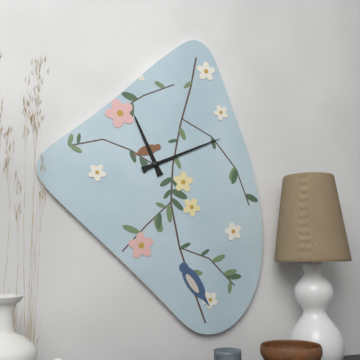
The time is **11:11**
